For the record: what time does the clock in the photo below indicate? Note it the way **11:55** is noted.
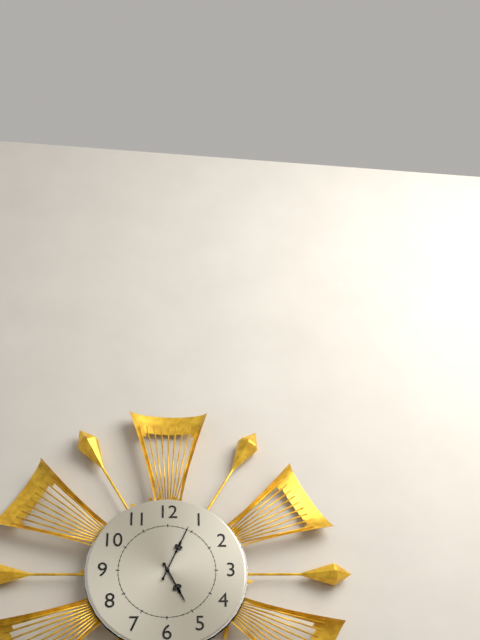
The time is **5:04**
